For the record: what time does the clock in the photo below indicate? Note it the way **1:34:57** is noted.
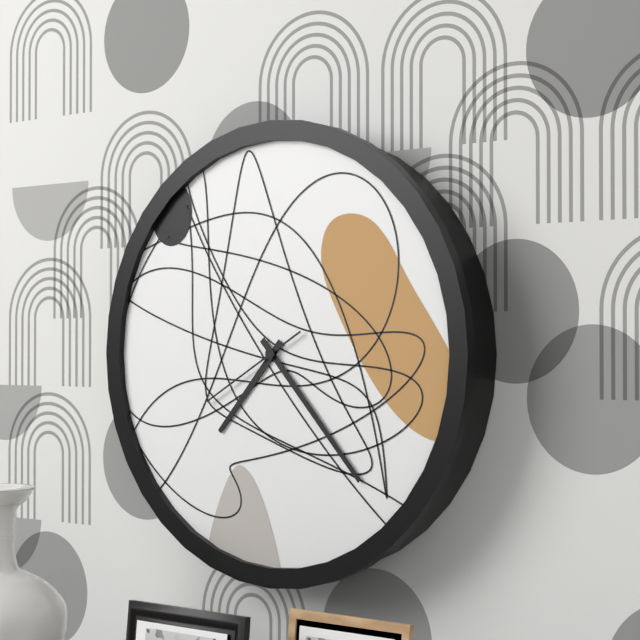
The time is **7:23:40**
